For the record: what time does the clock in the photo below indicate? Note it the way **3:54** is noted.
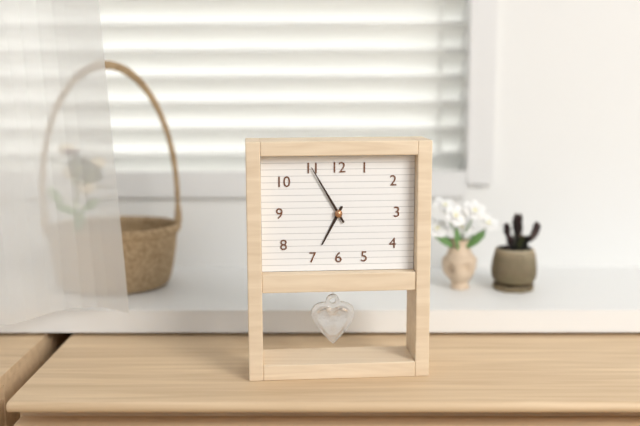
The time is **6:55**
